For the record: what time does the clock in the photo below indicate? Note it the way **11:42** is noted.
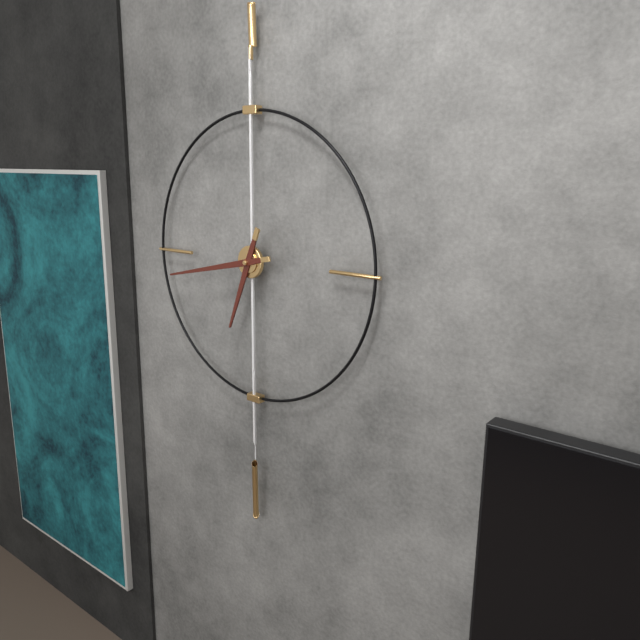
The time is **6:43**
